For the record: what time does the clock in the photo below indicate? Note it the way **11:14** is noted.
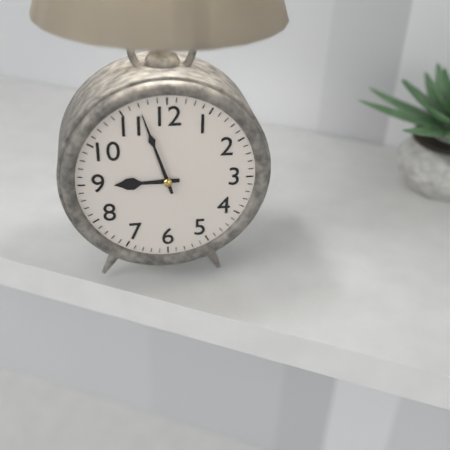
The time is **8:57**
